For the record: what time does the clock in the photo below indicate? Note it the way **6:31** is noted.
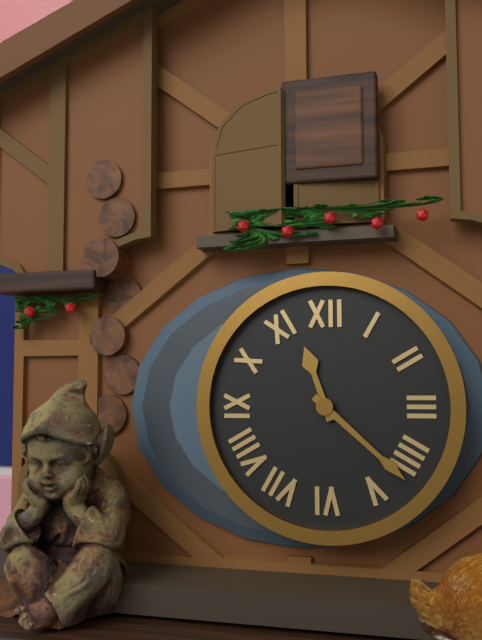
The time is **11:22**
